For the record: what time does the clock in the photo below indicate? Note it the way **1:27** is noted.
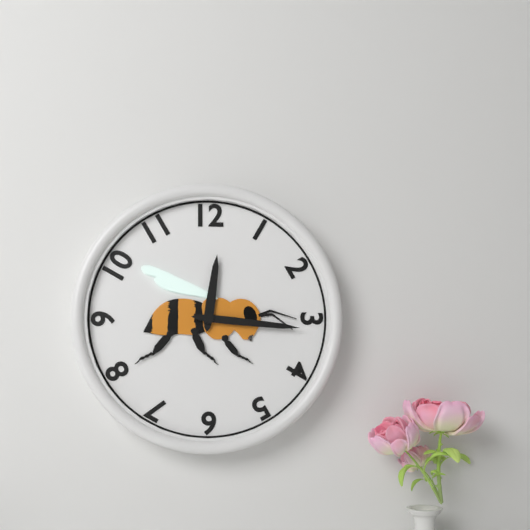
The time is **12:16**
